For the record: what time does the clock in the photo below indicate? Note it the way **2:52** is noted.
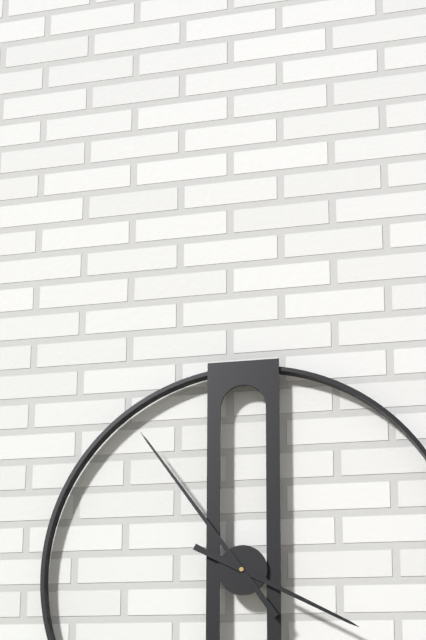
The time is **3:54**
